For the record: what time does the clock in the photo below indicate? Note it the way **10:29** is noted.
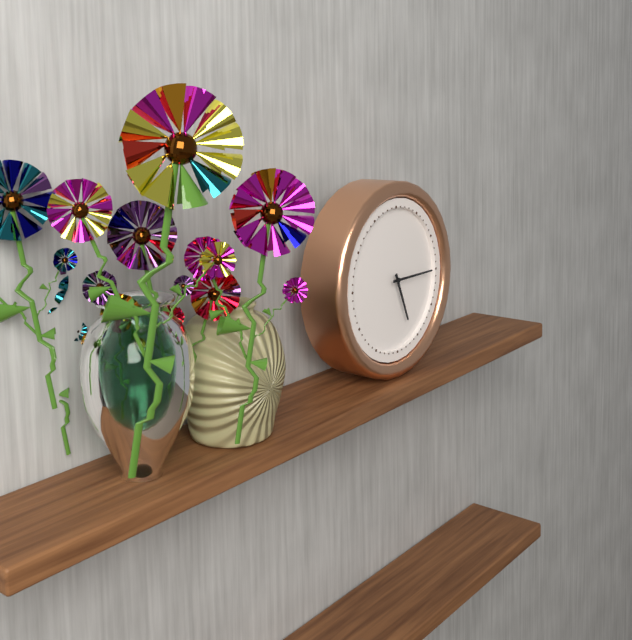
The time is **5:15**
